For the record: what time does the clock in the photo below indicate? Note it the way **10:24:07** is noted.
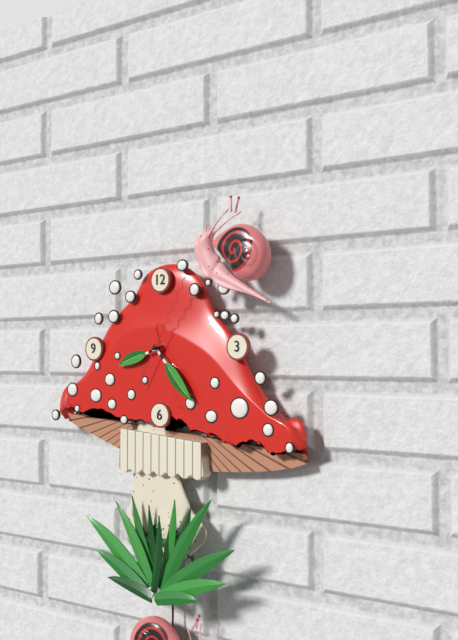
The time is **8:23:05**
